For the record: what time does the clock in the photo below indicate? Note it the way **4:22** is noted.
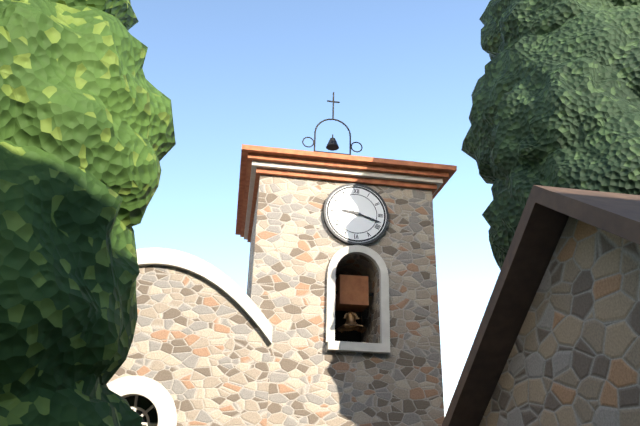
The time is **9:18**
